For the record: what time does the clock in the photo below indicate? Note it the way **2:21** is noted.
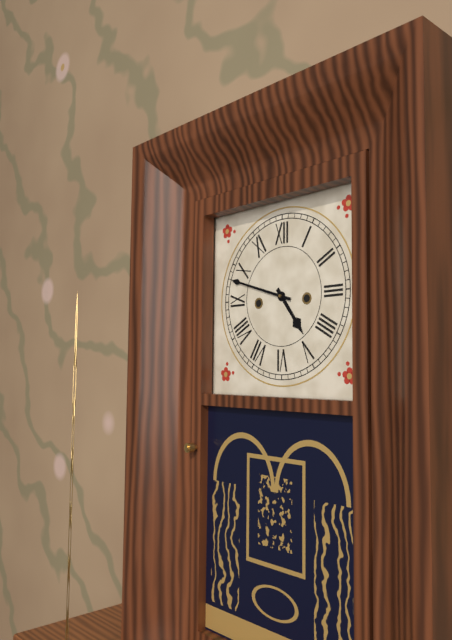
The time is **4:48**
